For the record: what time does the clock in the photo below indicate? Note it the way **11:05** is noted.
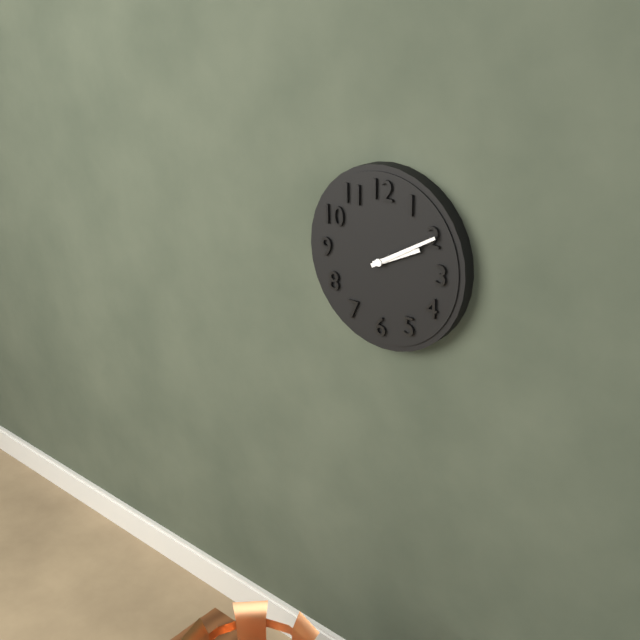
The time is **2:10**
